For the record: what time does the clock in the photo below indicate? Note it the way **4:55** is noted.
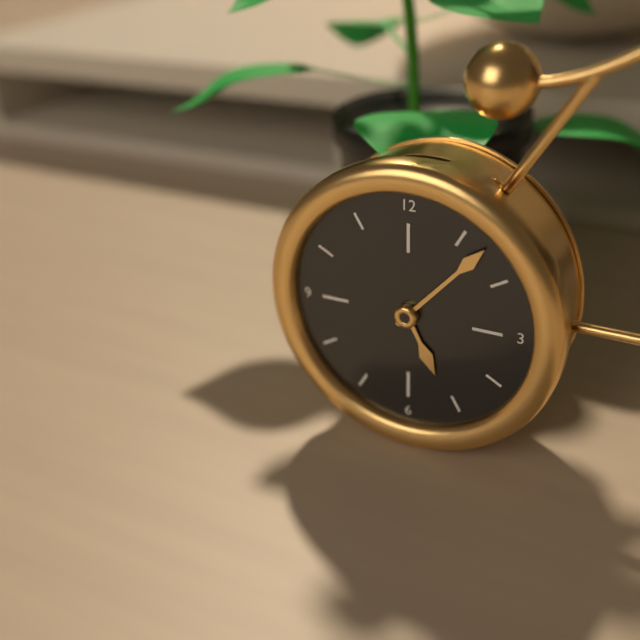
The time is **5:07**
